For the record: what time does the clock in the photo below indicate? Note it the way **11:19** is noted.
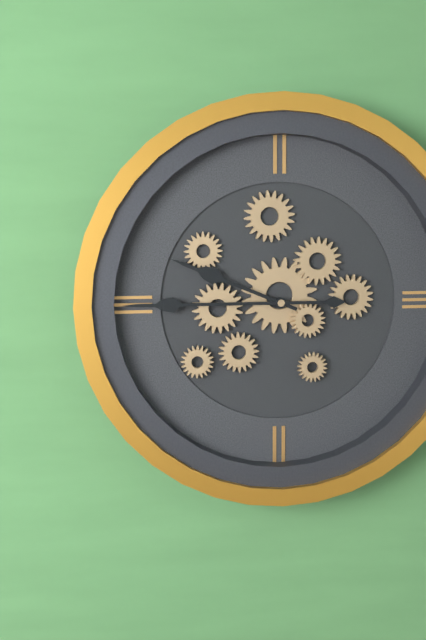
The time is **9:45**
